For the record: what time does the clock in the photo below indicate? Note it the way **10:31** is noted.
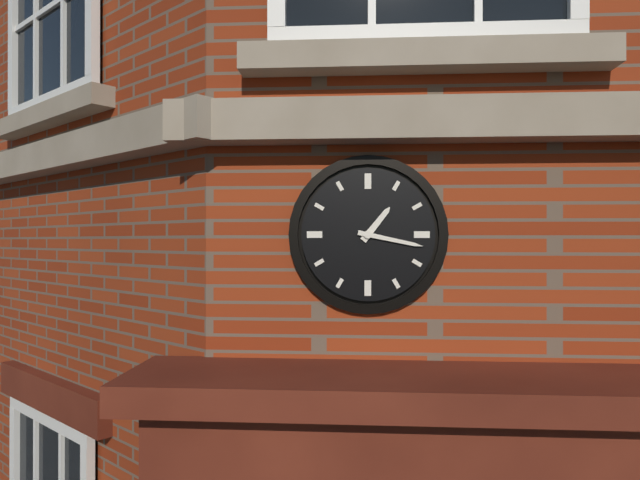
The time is **1:17**
